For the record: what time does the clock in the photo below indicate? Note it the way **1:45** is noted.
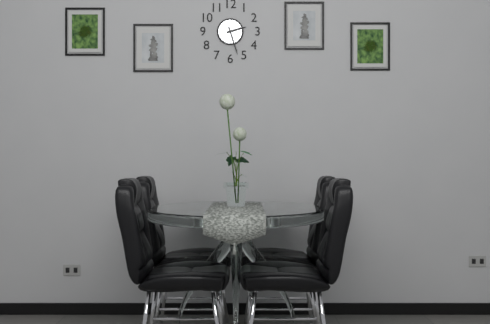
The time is **2:27**
